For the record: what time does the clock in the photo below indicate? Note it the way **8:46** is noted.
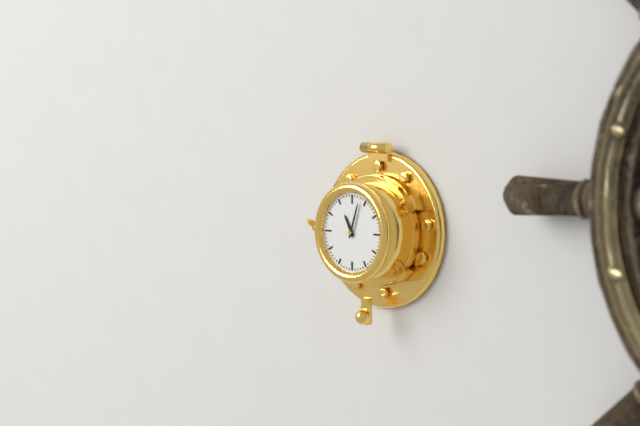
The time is **11:03**
